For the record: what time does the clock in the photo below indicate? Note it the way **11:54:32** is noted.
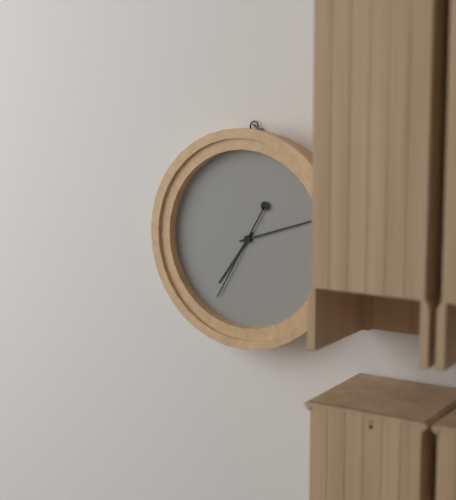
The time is **7:12:35**
